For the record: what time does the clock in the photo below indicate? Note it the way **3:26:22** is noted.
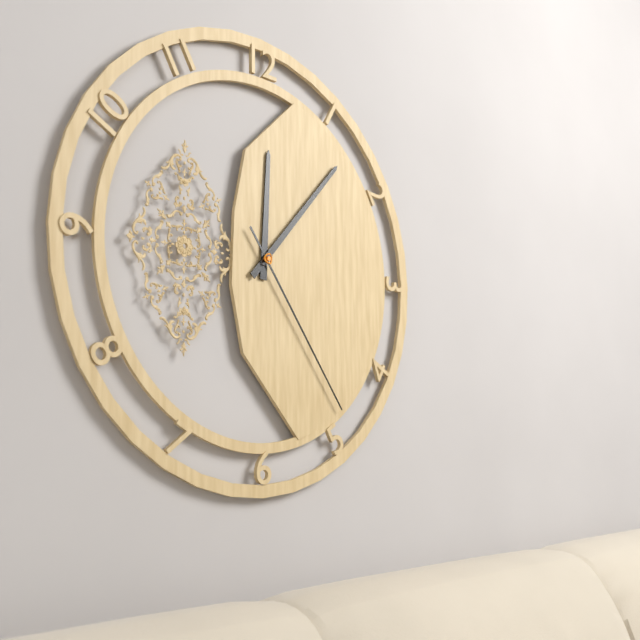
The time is **12:07:24**
